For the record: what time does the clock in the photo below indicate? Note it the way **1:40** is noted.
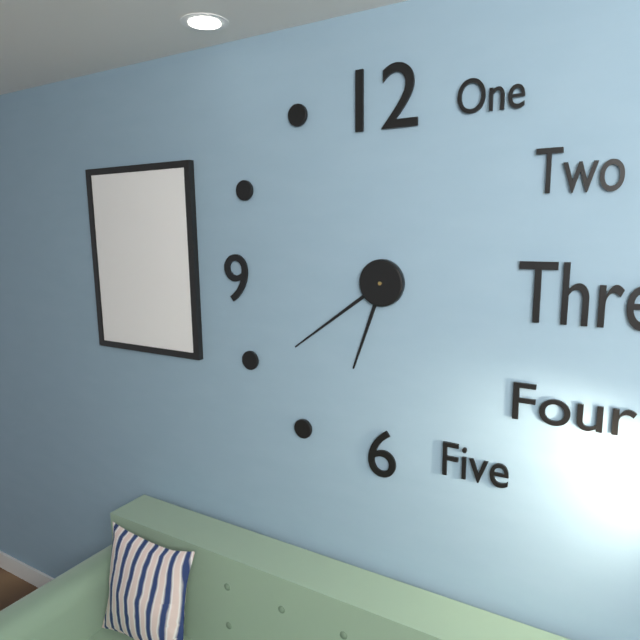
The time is **6:39**
